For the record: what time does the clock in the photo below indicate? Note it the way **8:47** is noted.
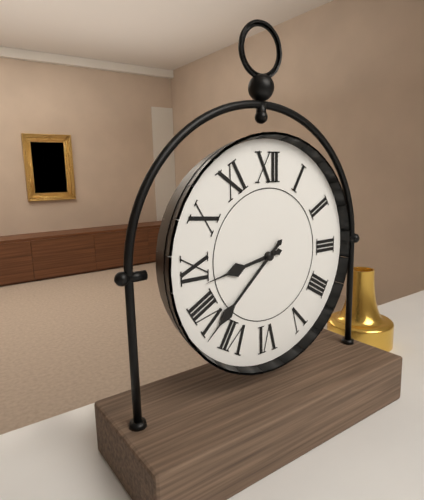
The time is **8:38**
